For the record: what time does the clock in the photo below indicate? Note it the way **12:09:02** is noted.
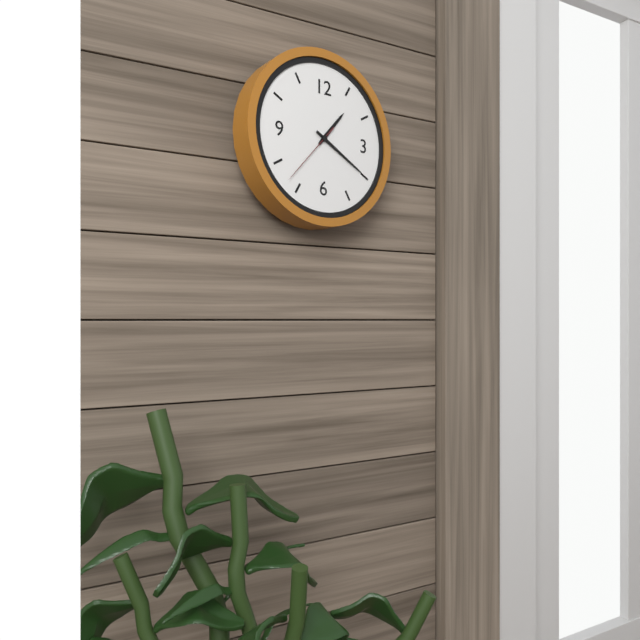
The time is **1:20:37**
